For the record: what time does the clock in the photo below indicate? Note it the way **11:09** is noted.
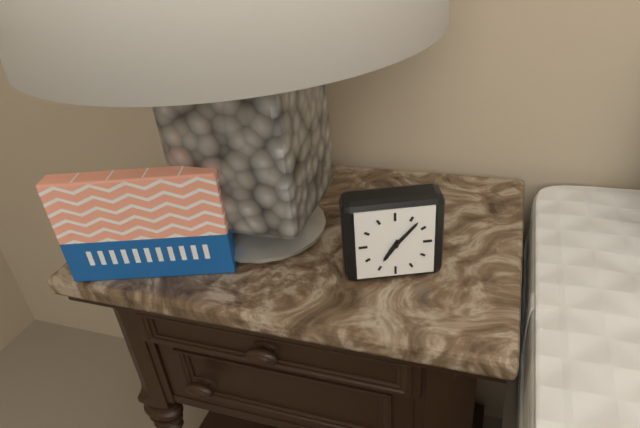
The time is **7:07**
